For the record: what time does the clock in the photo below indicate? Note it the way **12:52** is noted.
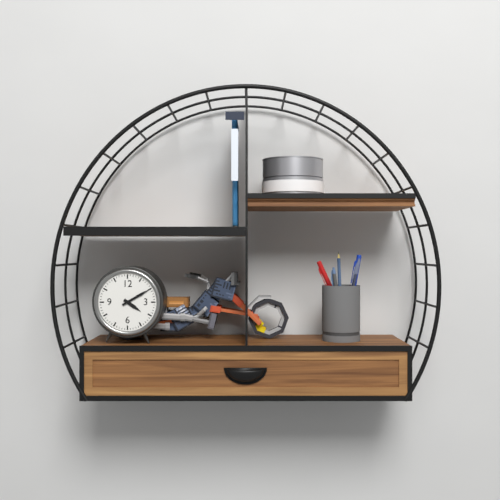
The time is **4:10**
